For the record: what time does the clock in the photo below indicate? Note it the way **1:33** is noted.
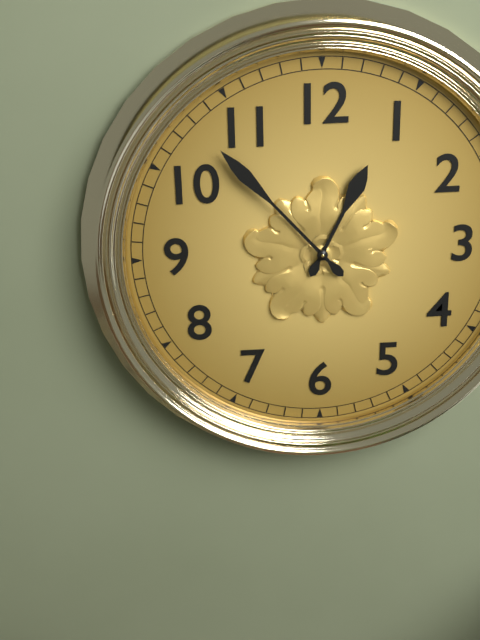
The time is **12:53**
